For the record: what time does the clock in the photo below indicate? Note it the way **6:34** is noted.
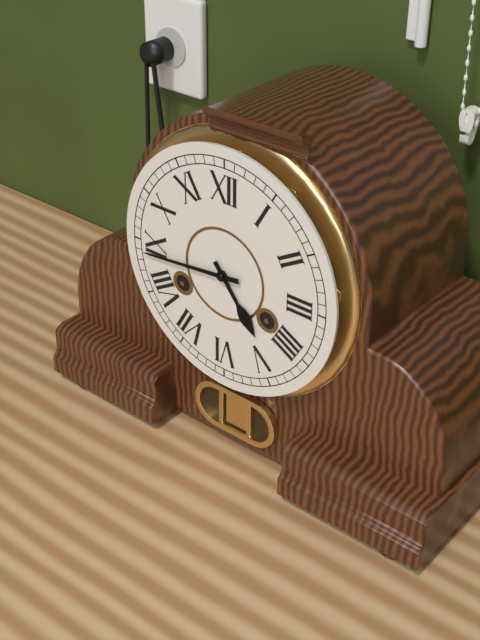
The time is **4:44**
